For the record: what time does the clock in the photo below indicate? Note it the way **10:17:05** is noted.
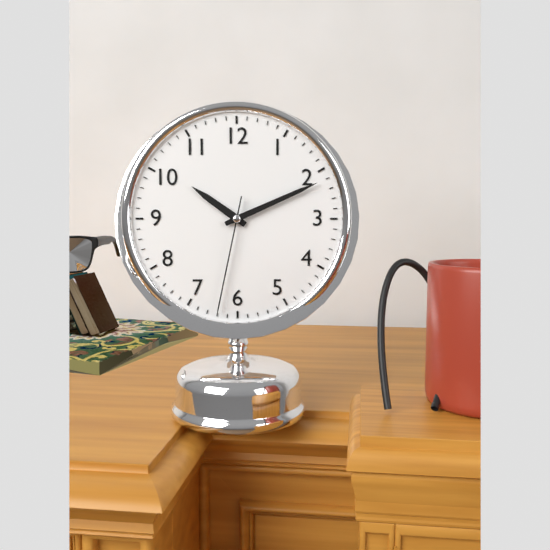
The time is **10:11:32**
